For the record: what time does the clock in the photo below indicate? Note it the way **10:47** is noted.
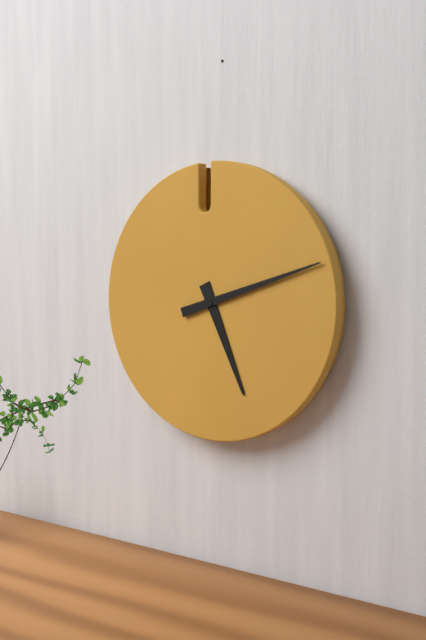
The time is **5:12**
